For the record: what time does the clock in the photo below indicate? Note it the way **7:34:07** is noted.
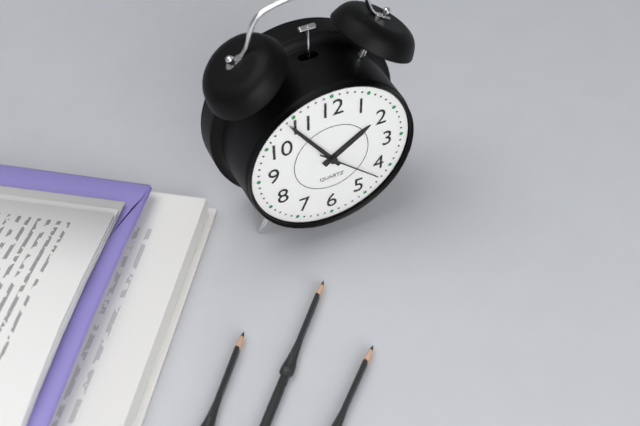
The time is **1:54:22**
